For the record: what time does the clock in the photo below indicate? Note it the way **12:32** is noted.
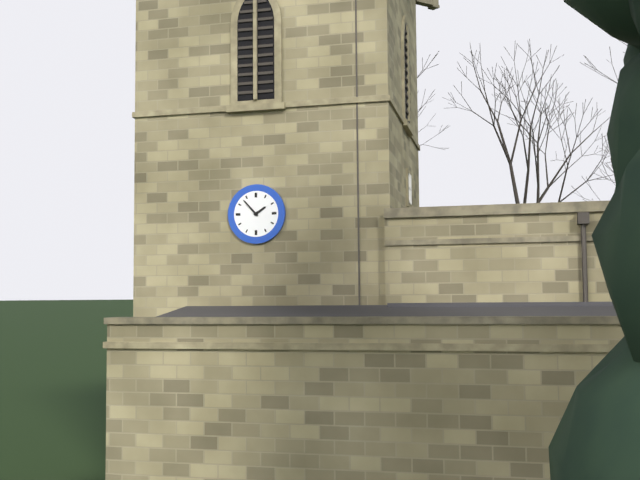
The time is **1:53**
